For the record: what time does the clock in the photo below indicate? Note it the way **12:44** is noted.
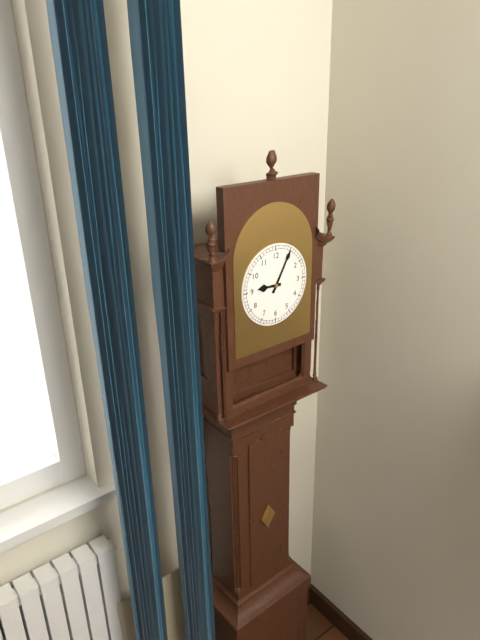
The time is **9:05**
